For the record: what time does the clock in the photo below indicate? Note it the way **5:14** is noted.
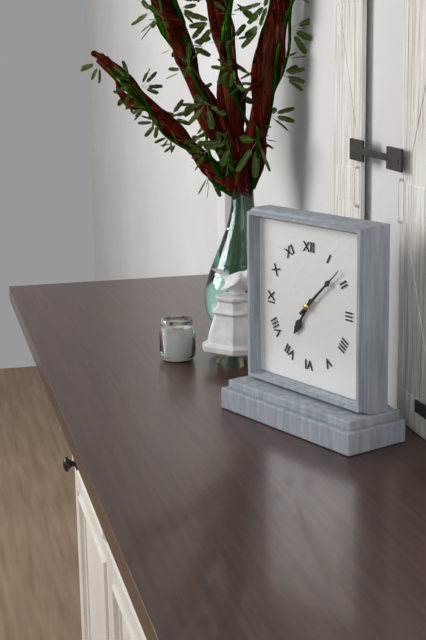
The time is **7:08**
